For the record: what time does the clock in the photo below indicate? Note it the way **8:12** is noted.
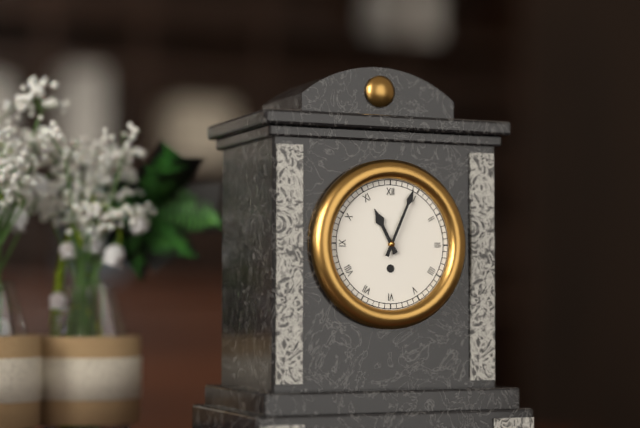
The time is **11:04**
